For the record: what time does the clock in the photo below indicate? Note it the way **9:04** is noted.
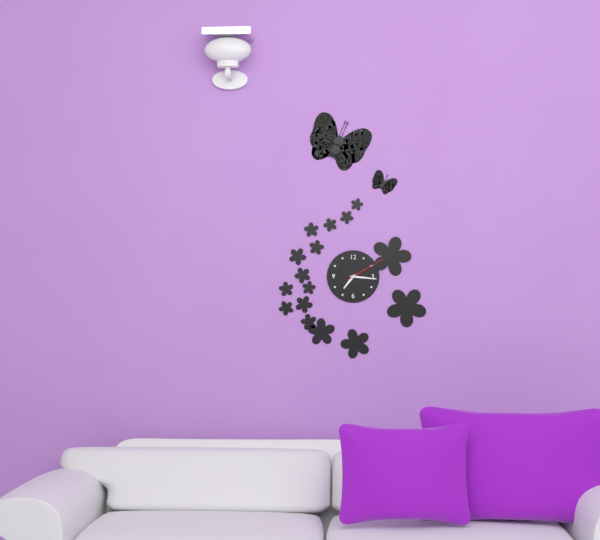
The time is **7:16**
